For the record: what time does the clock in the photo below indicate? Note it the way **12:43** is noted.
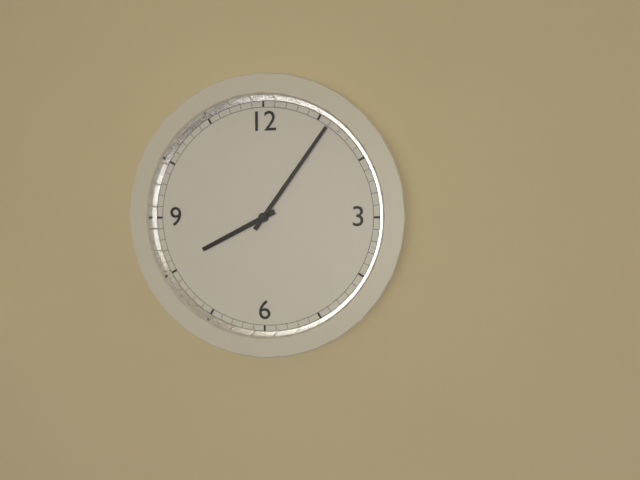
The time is **8:06**
